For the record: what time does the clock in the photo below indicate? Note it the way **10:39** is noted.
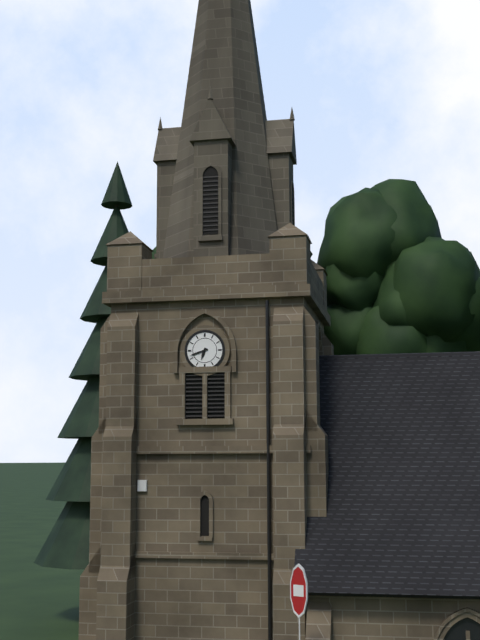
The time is **6:42**
